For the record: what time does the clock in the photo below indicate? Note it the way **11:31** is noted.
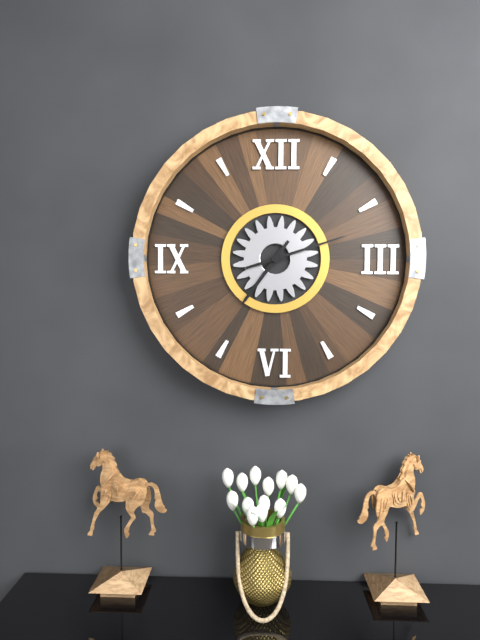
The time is **7:12**
